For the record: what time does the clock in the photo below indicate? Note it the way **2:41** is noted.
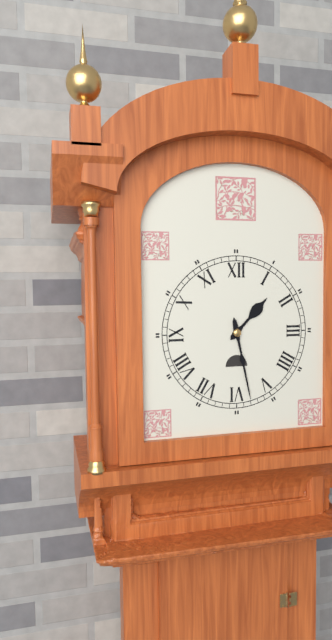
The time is **1:28**
